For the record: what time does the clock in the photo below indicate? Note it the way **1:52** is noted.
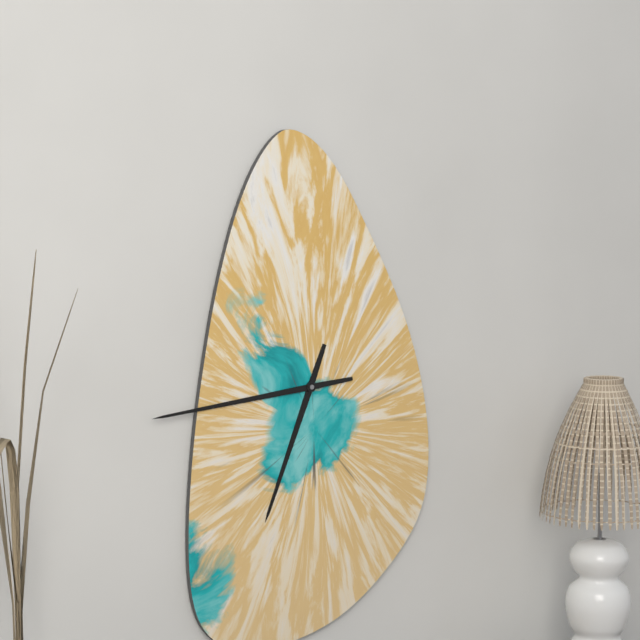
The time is **6:44**
